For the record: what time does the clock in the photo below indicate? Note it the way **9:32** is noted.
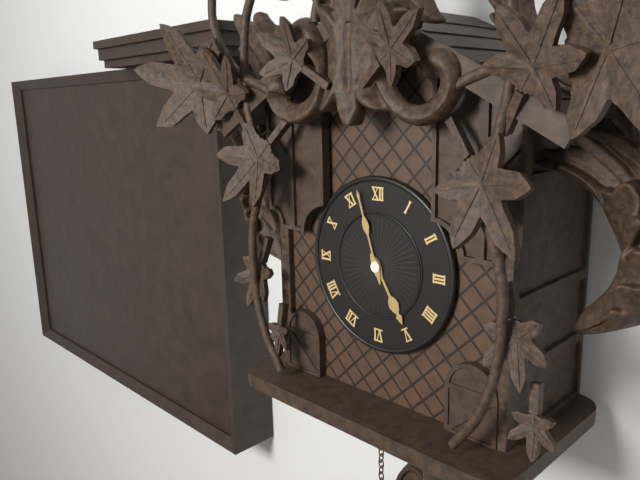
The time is **4:57**
